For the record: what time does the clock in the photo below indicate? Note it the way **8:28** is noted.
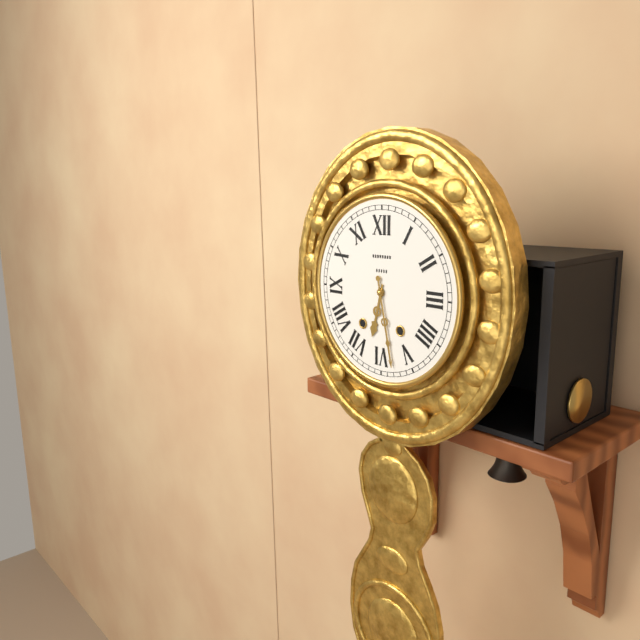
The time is **6:28**
